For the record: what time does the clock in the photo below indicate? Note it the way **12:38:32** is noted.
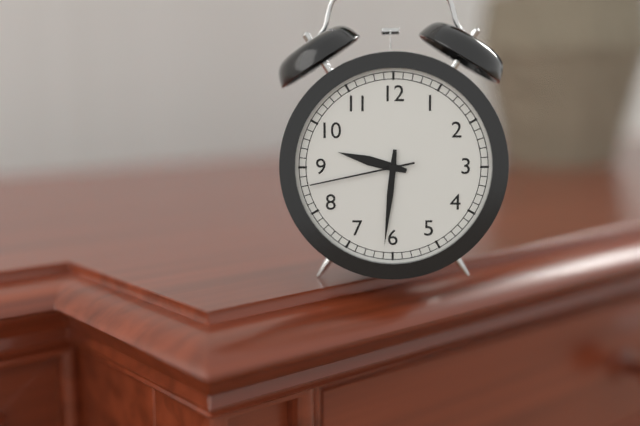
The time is **9:31:43**
